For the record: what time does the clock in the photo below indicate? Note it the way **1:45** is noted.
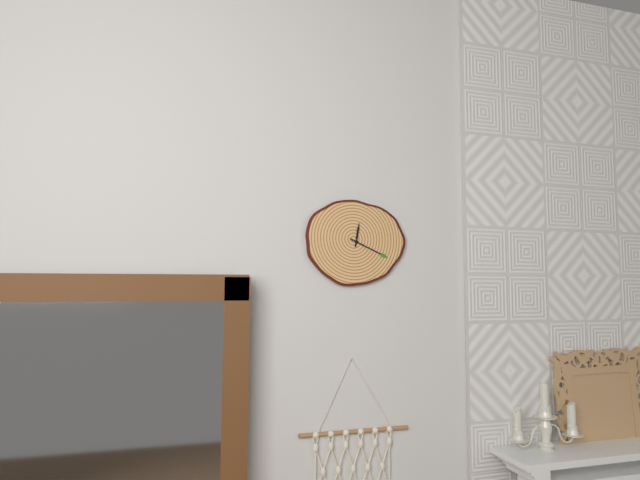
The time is **12:19**
